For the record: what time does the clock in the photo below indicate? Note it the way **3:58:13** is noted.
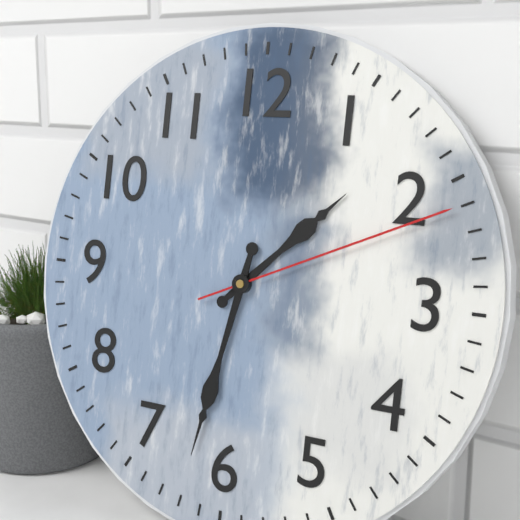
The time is **1:32:11**
